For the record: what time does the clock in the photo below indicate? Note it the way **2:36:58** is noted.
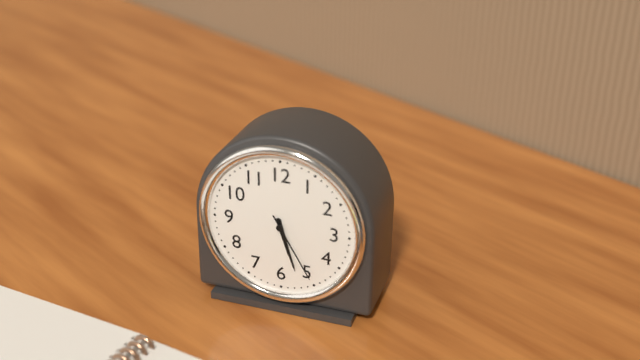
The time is **5:27:25**
